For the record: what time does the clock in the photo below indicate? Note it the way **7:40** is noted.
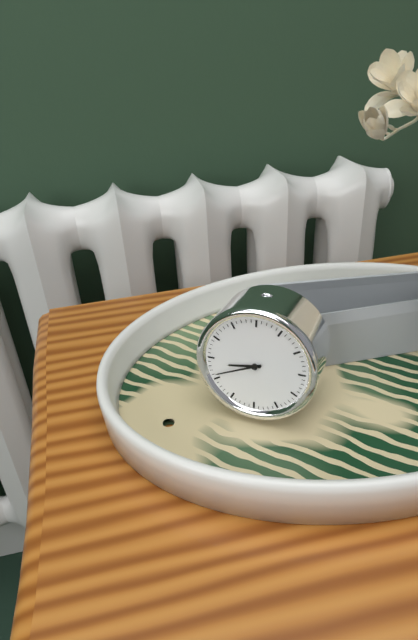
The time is **8:41**
